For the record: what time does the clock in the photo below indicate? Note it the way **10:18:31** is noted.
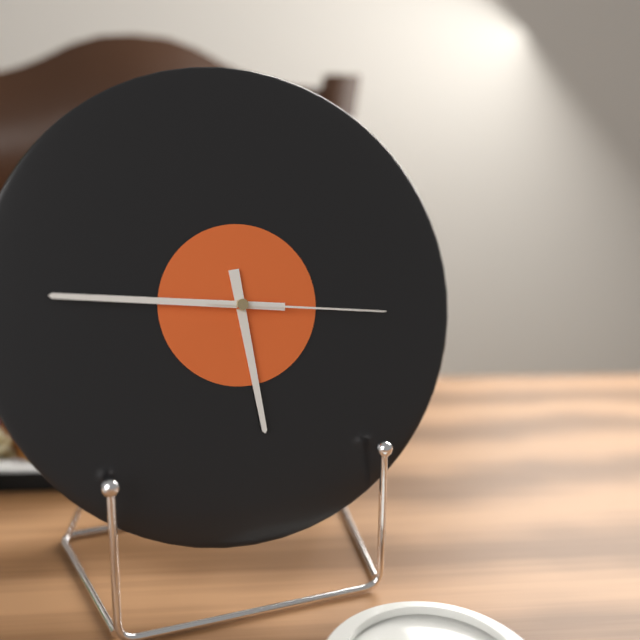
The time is **5:46:16**
